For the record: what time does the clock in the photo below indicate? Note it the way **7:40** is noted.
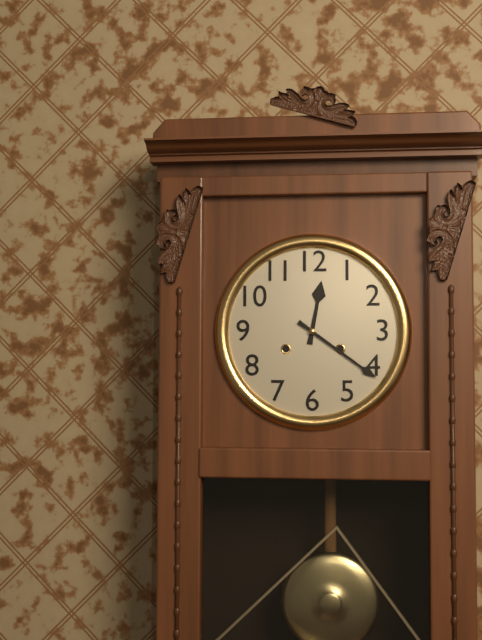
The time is **12:21**
